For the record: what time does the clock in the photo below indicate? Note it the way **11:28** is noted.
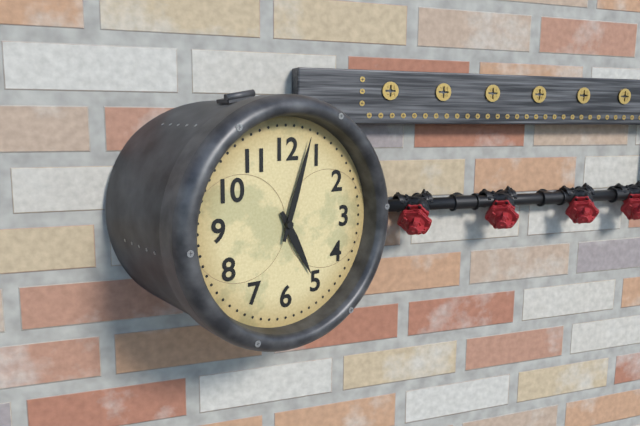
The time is **5:03**
